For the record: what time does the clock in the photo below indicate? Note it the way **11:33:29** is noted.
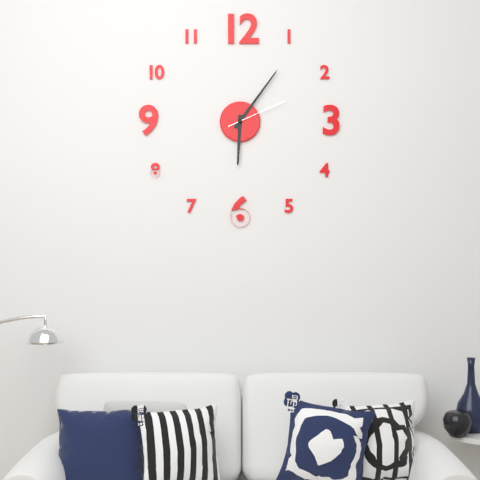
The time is **6:06:11**
